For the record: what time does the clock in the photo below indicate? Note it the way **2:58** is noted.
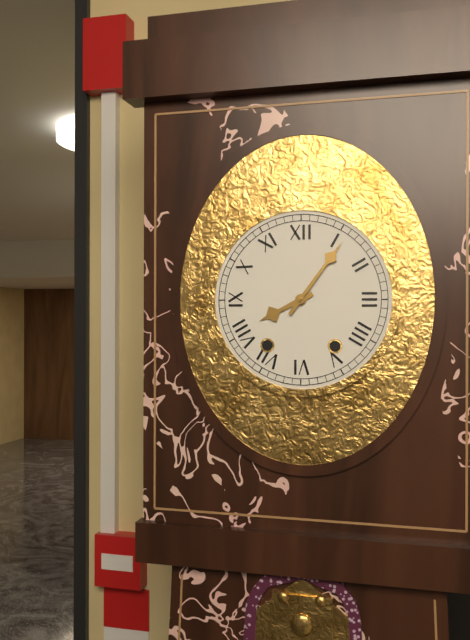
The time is **8:06**
